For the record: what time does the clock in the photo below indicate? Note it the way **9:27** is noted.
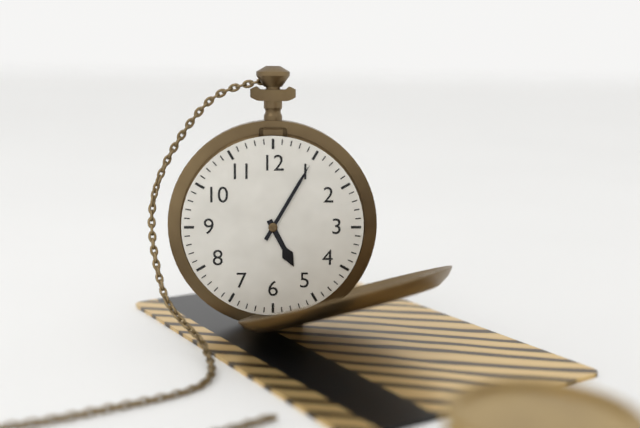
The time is **5:05**
